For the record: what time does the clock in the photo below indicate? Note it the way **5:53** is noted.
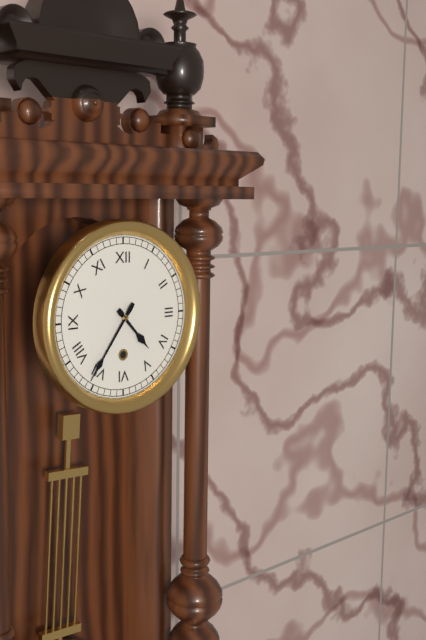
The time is **4:36**
